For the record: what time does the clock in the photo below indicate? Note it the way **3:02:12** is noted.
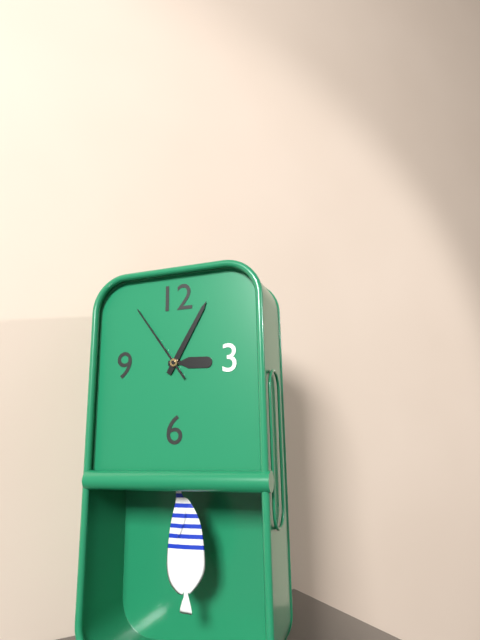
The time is **3:05:54**
